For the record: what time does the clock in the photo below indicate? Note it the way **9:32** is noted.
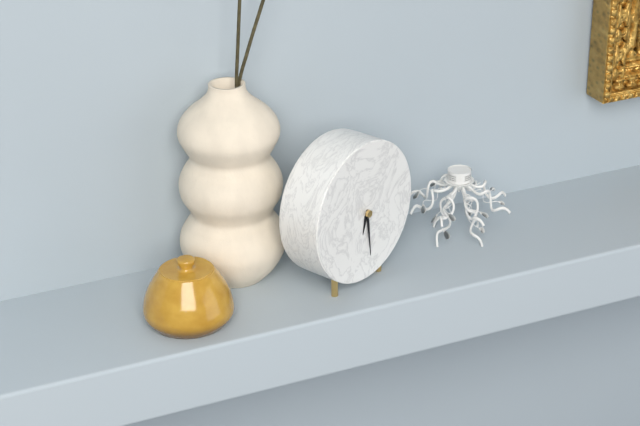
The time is **6:29**
